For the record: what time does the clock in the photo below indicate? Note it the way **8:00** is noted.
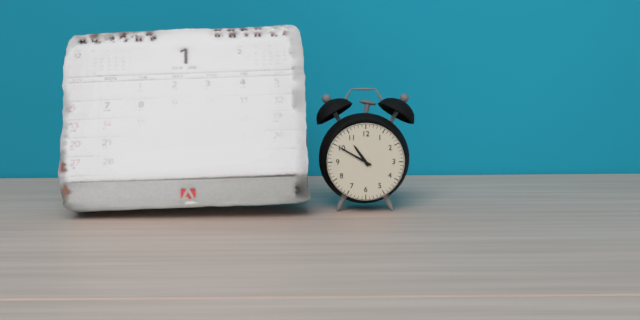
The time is **10:50**
